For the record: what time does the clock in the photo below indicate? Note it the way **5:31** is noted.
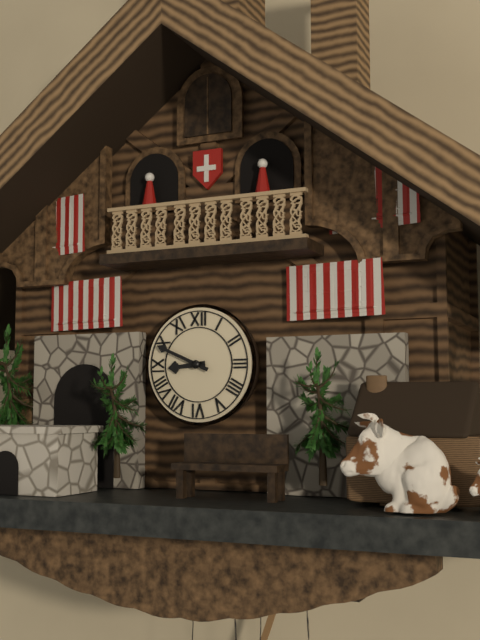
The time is **8:49**
